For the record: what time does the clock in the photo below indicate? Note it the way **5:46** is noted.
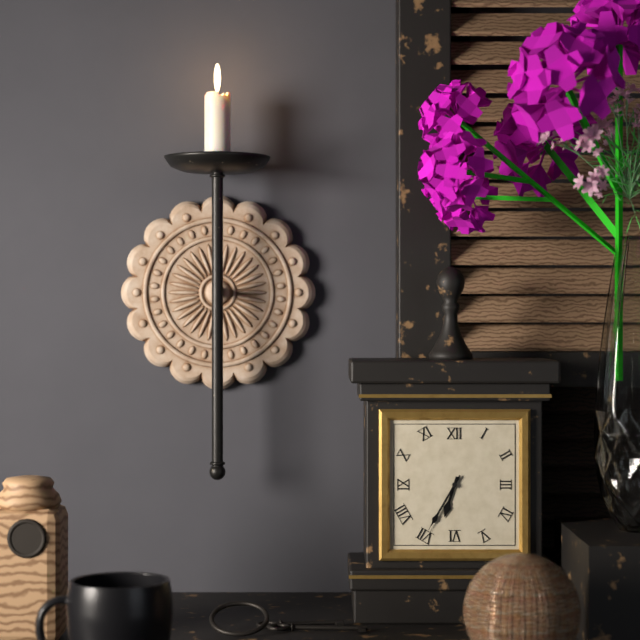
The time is **6:35**
